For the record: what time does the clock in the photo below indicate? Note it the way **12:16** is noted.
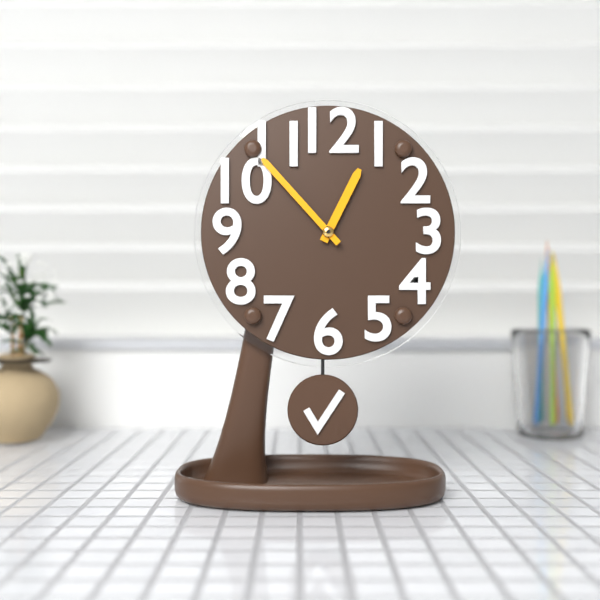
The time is **12:53**
